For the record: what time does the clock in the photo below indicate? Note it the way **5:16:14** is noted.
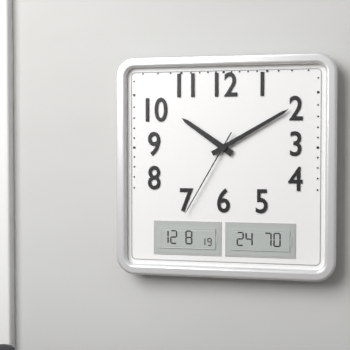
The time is **10:10:35**
